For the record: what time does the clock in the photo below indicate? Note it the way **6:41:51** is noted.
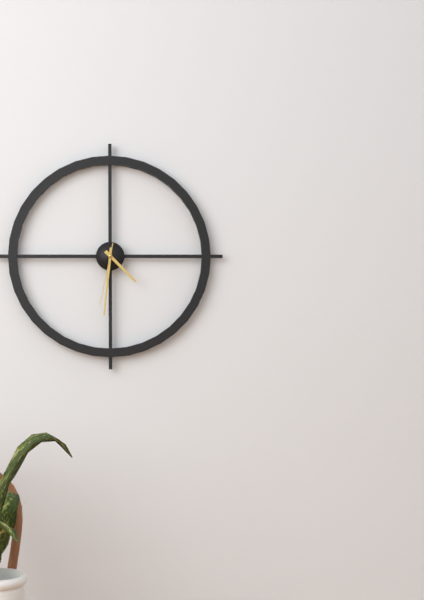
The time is **4:31:32**
